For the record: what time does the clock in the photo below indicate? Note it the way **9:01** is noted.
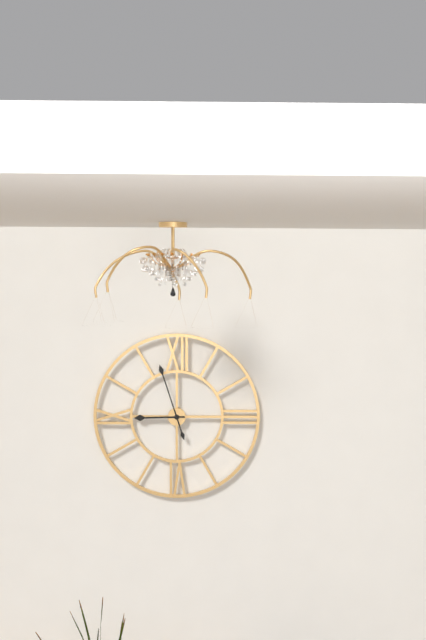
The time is **8:57**
